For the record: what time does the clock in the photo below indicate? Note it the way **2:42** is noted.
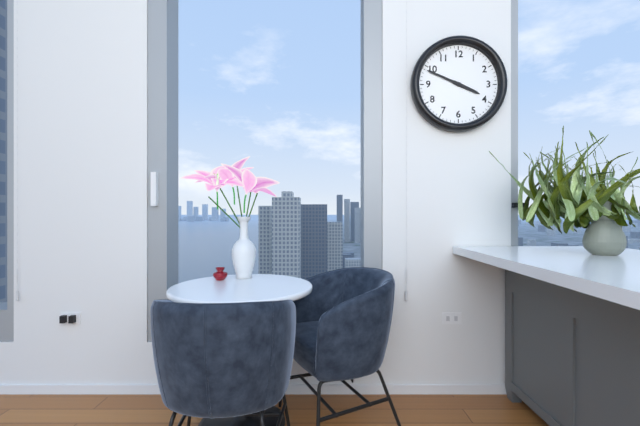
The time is **3:49**
